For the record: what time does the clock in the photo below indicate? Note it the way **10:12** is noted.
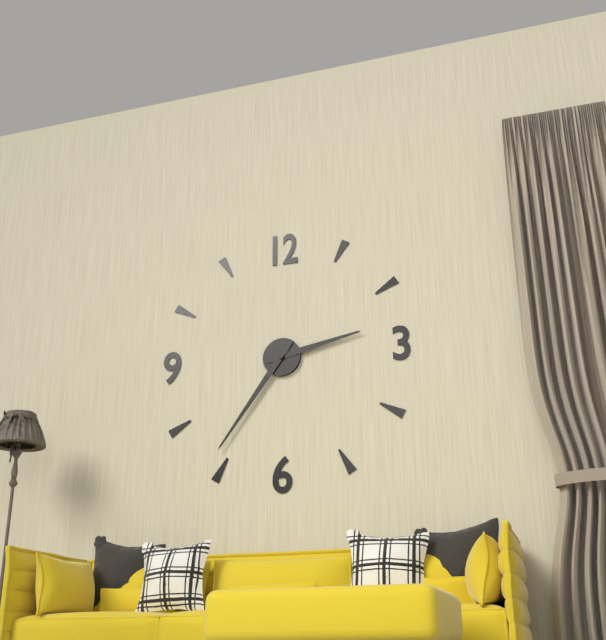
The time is **2:36**
